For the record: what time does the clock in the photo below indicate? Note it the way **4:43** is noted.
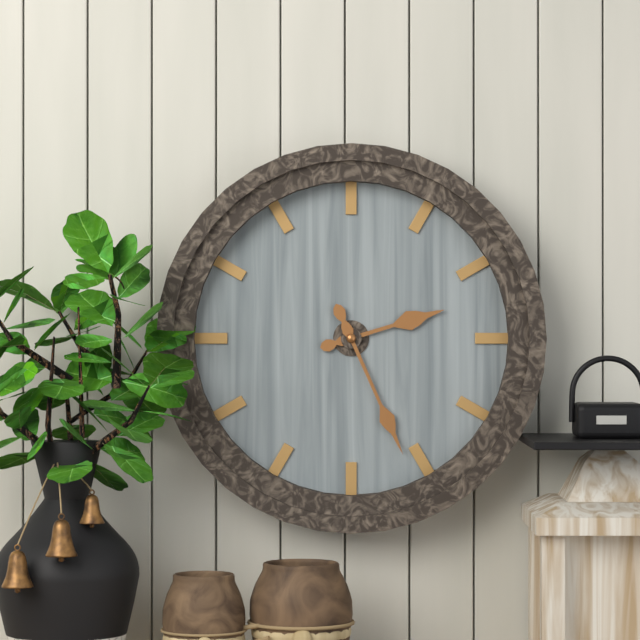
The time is **2:26**
